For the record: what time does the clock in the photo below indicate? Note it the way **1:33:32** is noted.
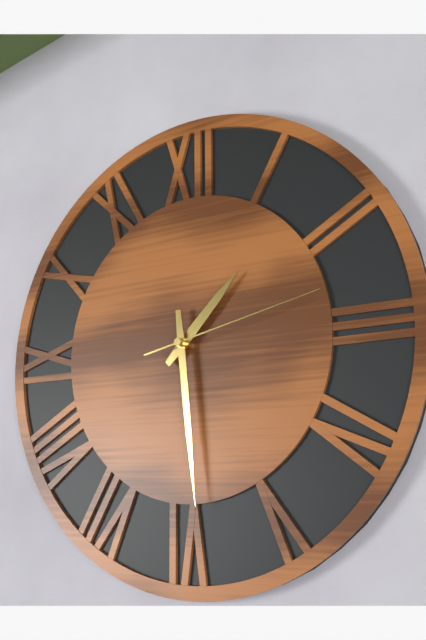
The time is **1:29:13**
